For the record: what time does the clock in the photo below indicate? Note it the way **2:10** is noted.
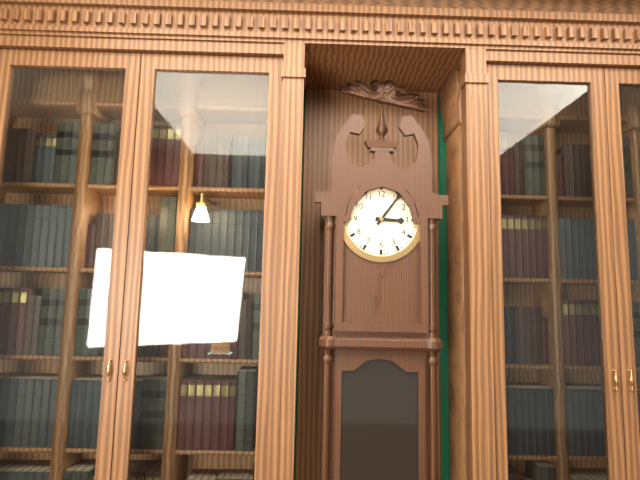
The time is **3:06**
